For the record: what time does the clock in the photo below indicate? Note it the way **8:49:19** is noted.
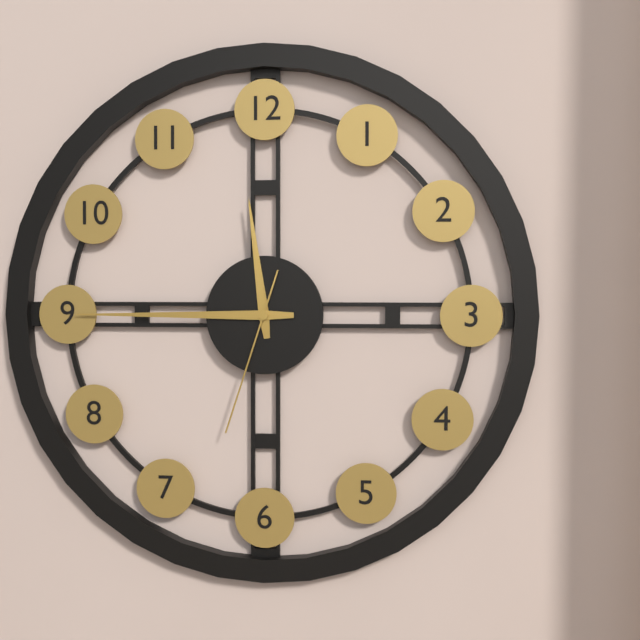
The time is **11:45:33**
